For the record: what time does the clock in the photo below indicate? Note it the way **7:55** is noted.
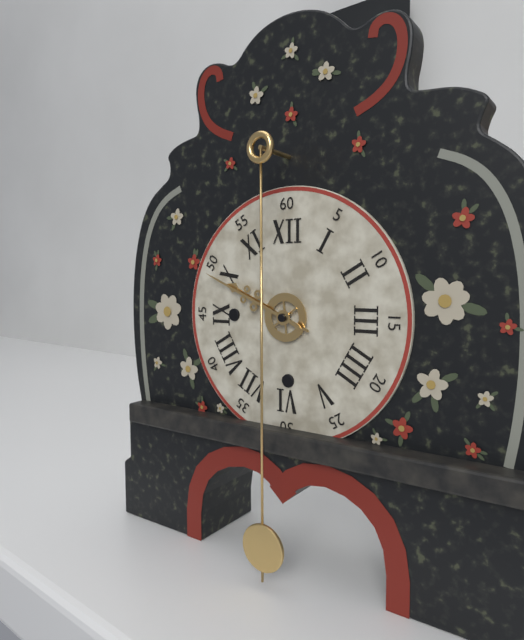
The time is **9:49**
